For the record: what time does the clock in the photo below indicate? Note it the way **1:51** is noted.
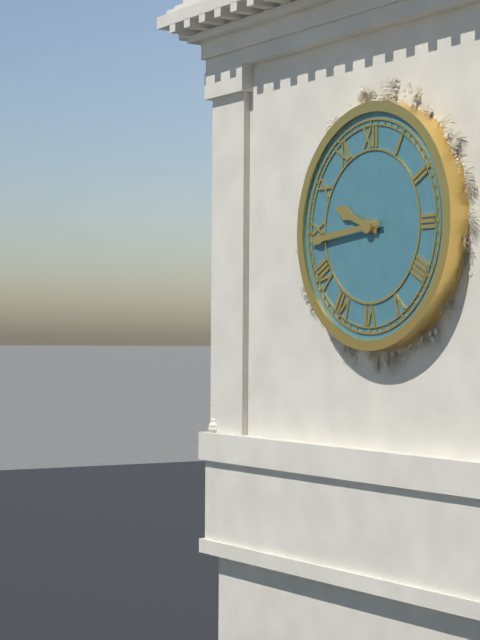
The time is **9:44**
